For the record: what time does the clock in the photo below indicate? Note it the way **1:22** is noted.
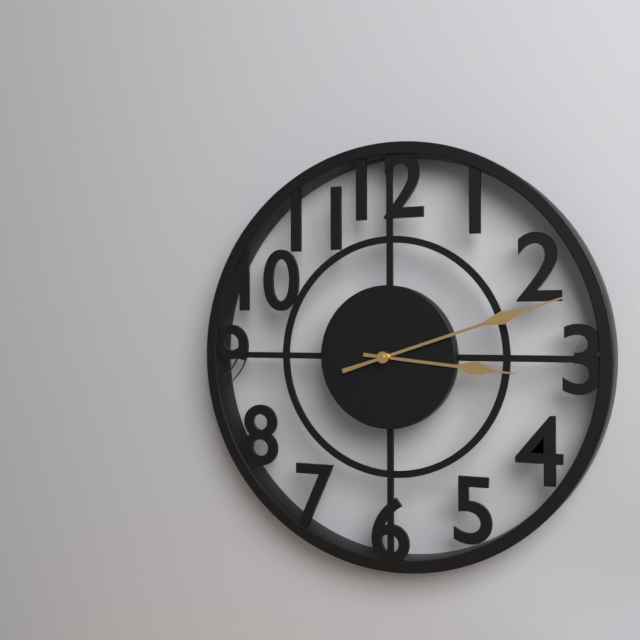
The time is **3:12**
